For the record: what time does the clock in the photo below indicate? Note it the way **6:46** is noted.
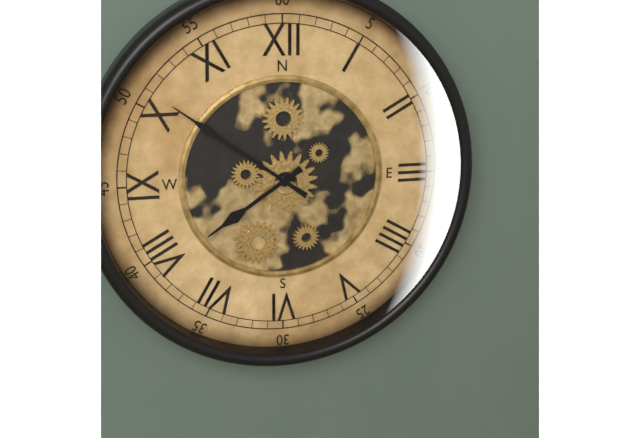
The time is **7:51**
